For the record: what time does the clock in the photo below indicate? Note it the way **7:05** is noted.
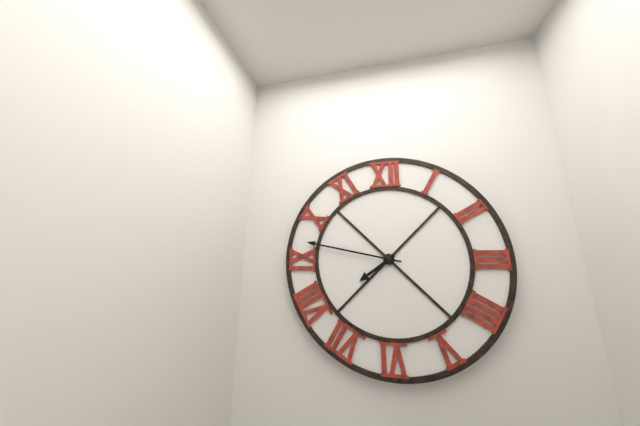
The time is **7:47**
